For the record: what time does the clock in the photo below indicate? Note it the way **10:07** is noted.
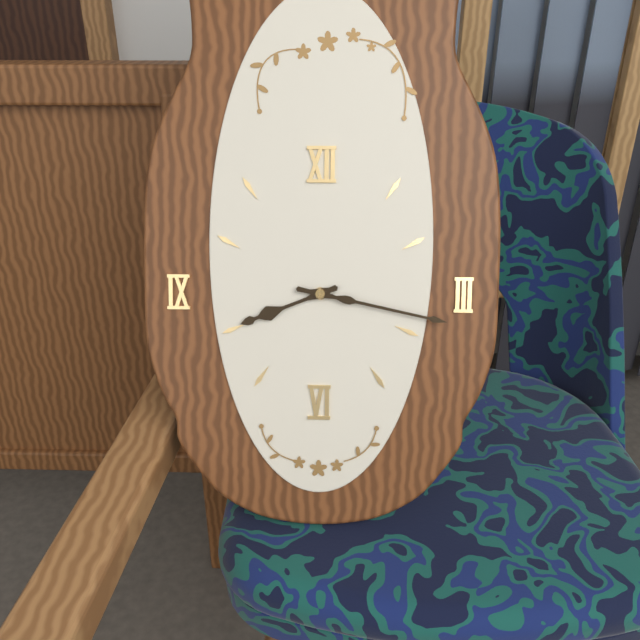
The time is **8:17**
